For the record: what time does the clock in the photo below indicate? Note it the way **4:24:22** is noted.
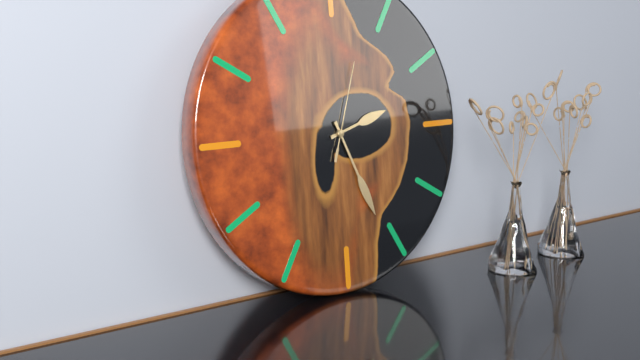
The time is **2:26:03**
